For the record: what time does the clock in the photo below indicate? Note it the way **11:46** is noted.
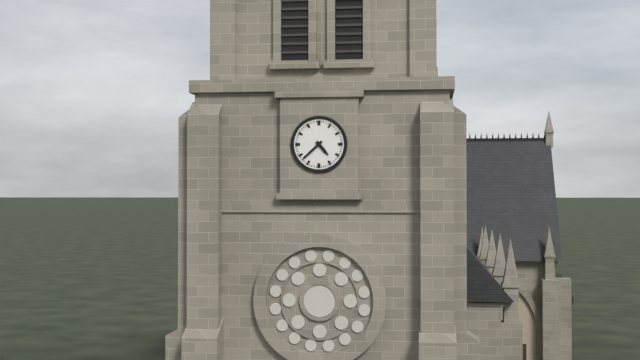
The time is **4:38**
